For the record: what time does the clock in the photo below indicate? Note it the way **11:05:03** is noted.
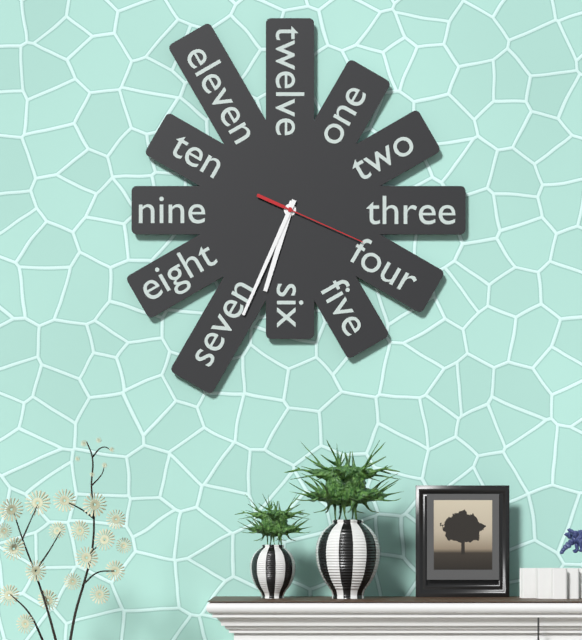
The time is **6:34:19**
